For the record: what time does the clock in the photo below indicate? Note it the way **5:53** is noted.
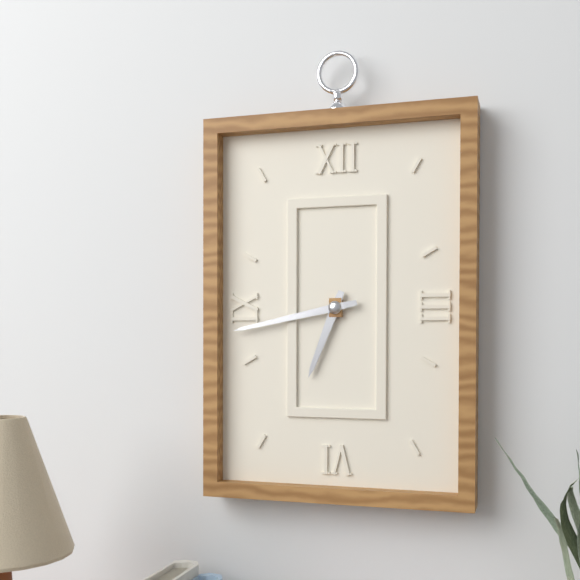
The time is **6:43**
